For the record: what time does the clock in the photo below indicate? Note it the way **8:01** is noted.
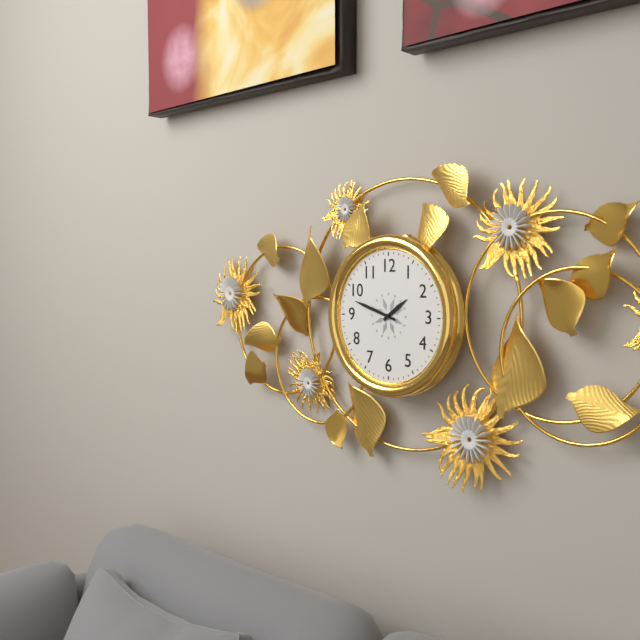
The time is **1:48**
